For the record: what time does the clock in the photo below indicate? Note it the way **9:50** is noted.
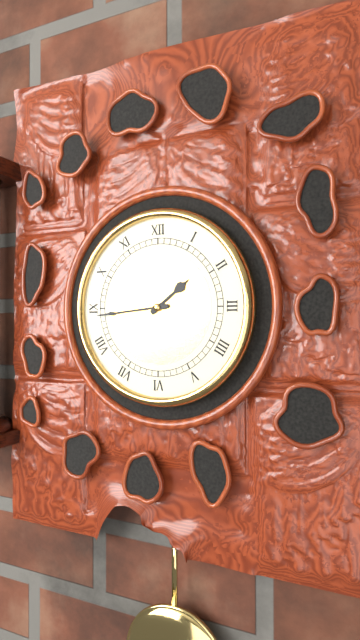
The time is **1:44**
